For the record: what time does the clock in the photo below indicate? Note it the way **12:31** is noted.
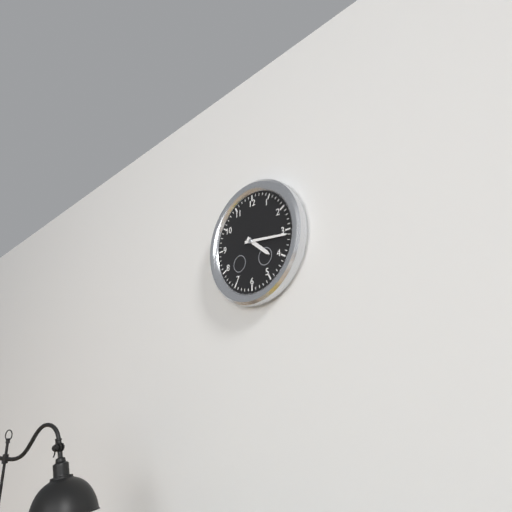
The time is **4:16**
